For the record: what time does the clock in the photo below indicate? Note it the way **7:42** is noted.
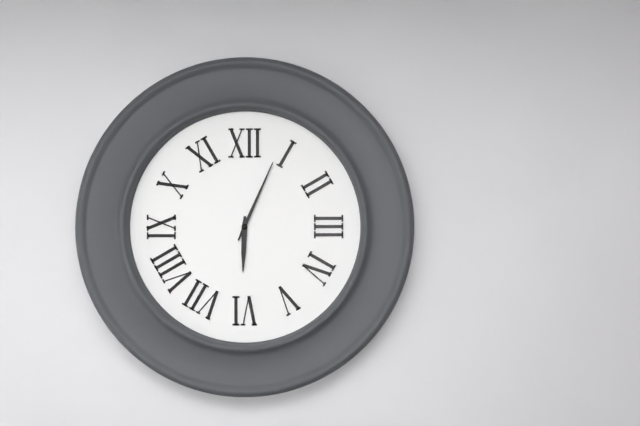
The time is **6:04**
